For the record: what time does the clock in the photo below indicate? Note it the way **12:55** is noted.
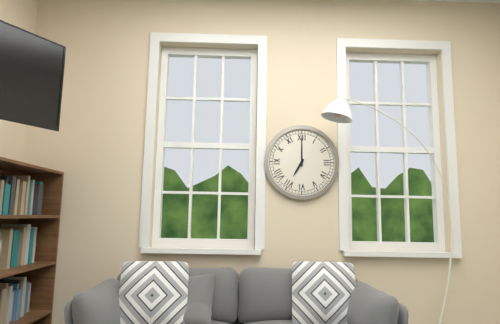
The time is **7:00**
